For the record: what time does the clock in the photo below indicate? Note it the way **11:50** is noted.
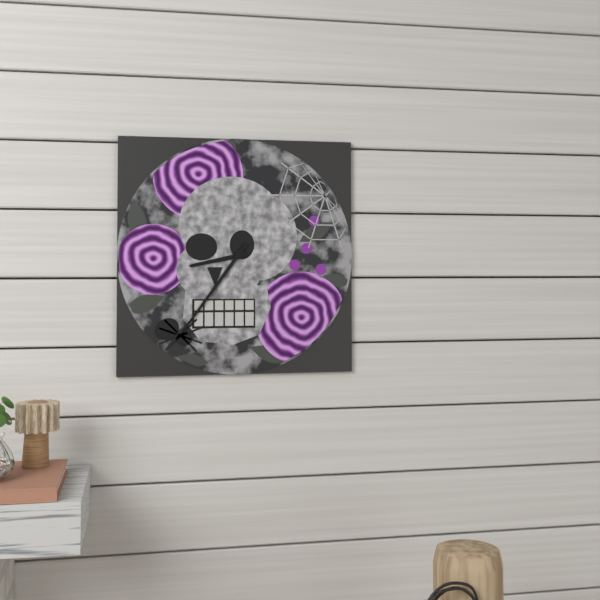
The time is **8:36**
